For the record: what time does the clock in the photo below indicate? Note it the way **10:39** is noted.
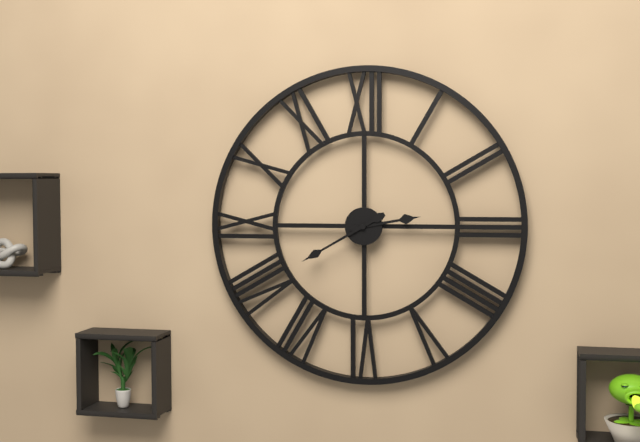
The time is **2:40**
